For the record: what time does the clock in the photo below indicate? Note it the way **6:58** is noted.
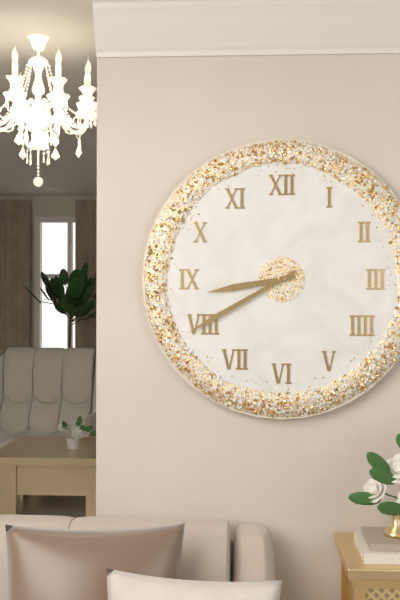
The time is **8:40**
